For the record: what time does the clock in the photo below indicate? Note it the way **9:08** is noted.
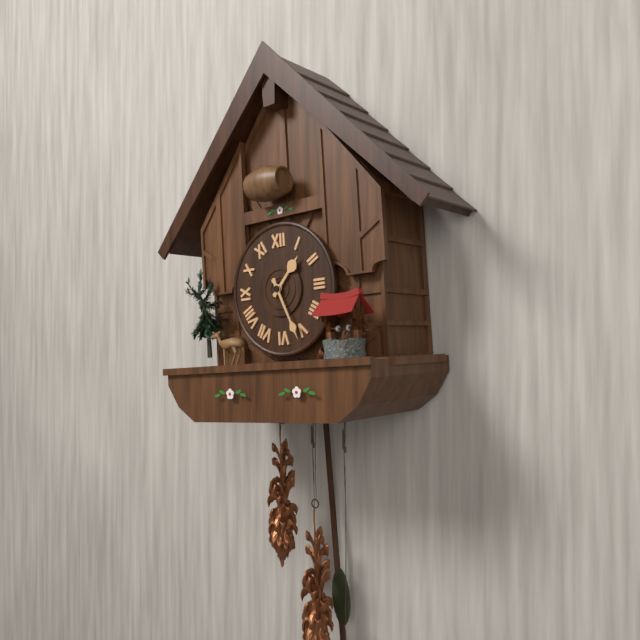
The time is **1:26**
